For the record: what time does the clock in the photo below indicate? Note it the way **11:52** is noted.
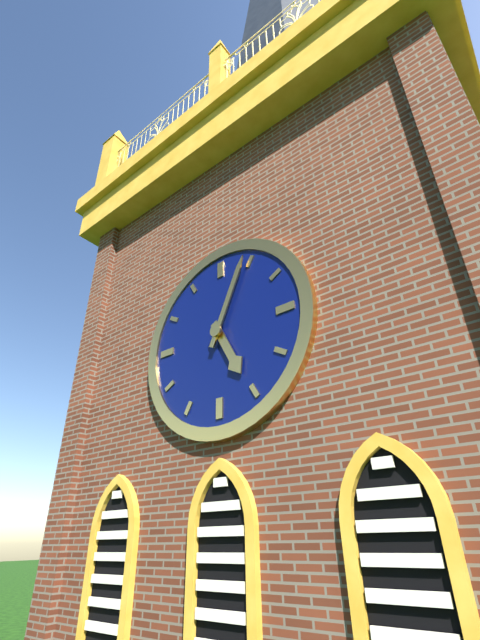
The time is **5:04**
